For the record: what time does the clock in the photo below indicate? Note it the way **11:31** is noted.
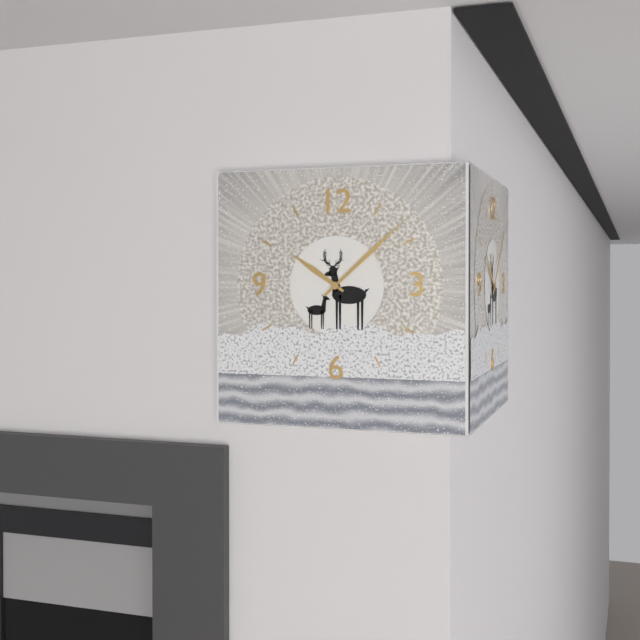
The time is **10:08**
